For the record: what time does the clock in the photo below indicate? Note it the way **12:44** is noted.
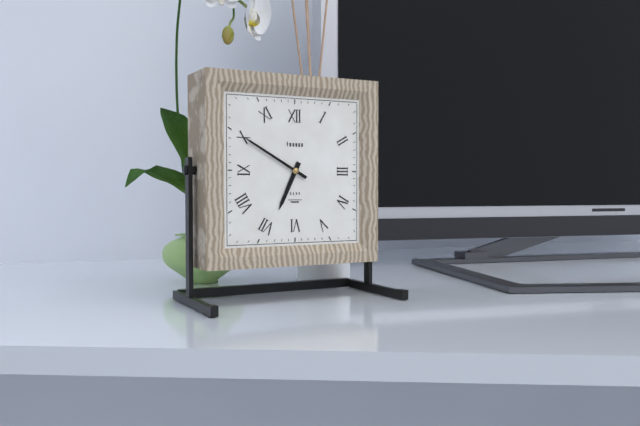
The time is **6:50**
